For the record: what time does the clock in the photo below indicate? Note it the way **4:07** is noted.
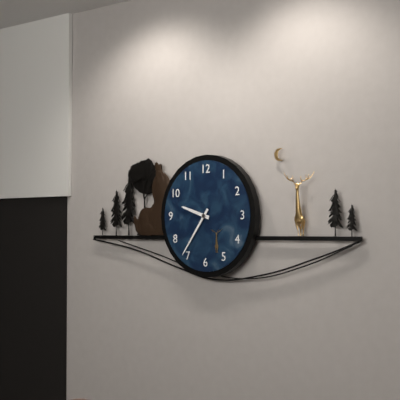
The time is **9:36**
